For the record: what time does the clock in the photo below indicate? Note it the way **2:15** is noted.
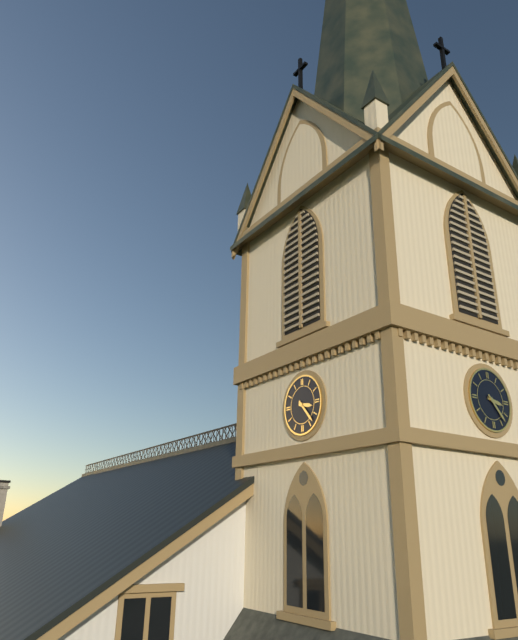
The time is **3:23**
